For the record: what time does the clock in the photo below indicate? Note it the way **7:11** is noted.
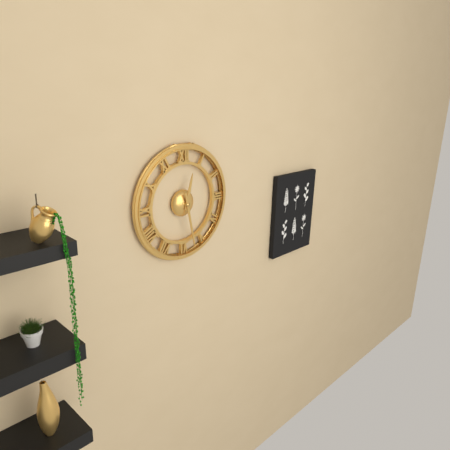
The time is **12:28**
